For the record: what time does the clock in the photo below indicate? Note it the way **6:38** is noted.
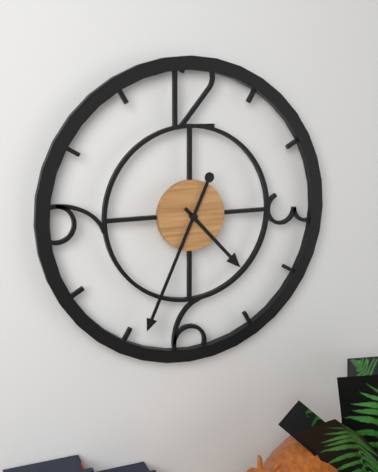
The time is **4:34**
